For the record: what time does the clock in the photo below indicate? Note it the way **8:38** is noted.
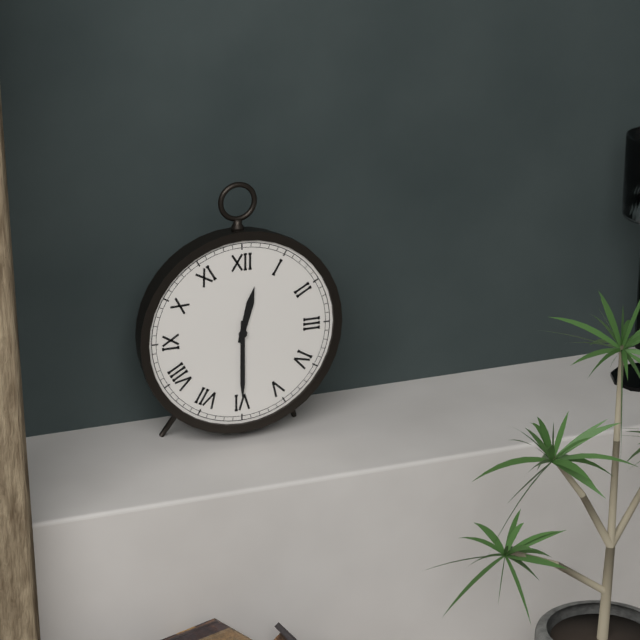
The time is **12:30**
